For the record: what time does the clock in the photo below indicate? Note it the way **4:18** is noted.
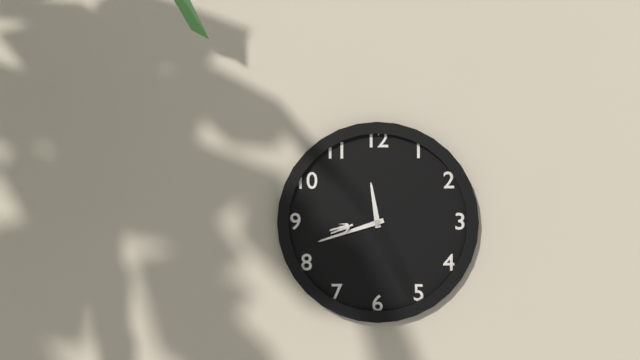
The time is **11:42**
